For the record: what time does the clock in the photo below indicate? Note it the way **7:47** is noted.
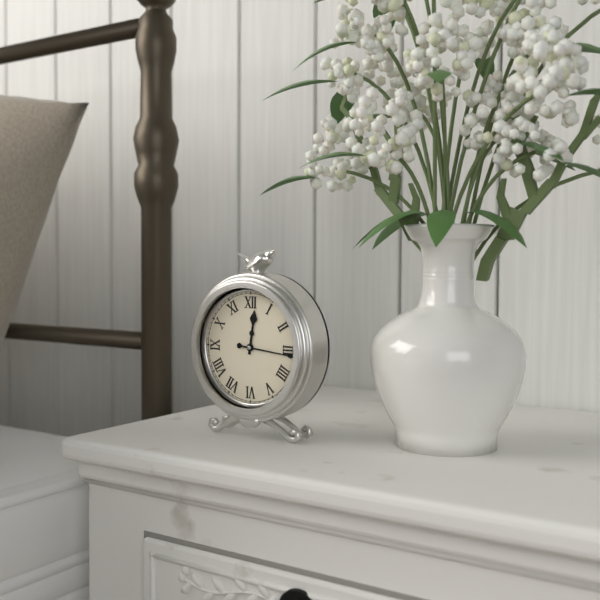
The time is **12:16**
